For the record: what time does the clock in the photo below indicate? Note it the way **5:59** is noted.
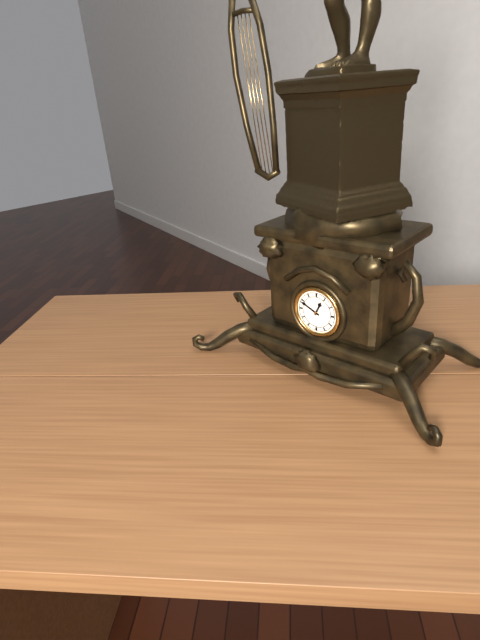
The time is **12:49**
